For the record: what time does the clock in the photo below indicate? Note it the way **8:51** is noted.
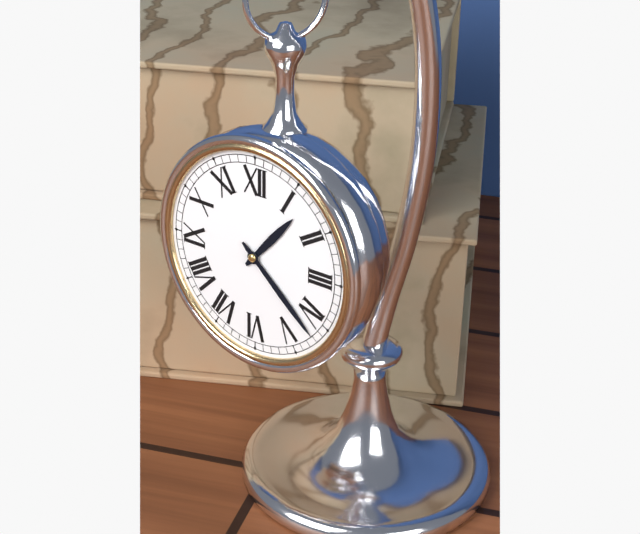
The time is **1:22**
